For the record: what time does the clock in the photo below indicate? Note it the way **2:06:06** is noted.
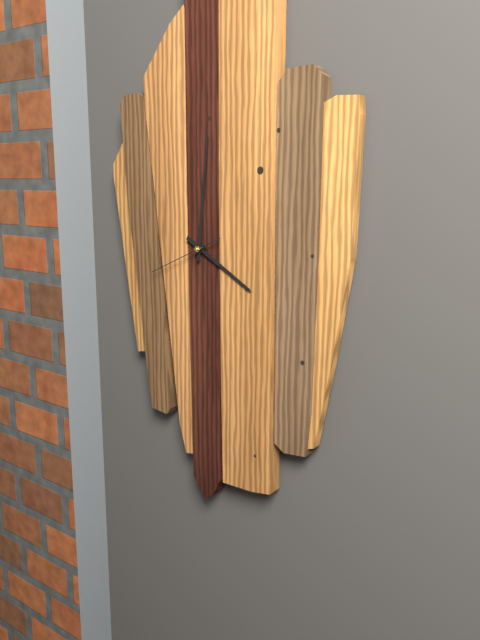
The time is **4:01:41**
